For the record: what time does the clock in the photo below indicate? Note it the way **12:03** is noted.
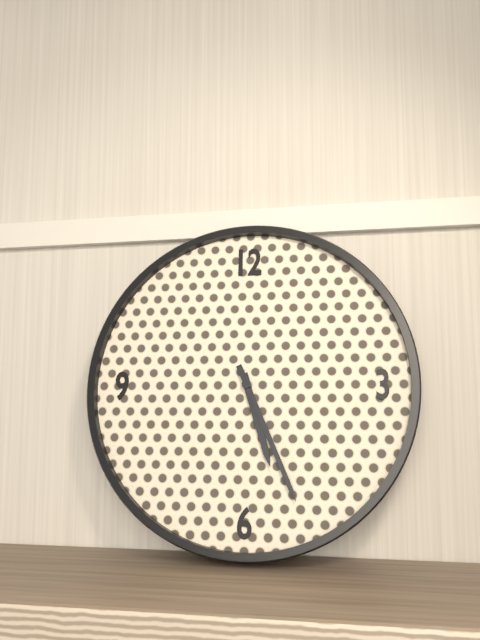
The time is **5:26**
